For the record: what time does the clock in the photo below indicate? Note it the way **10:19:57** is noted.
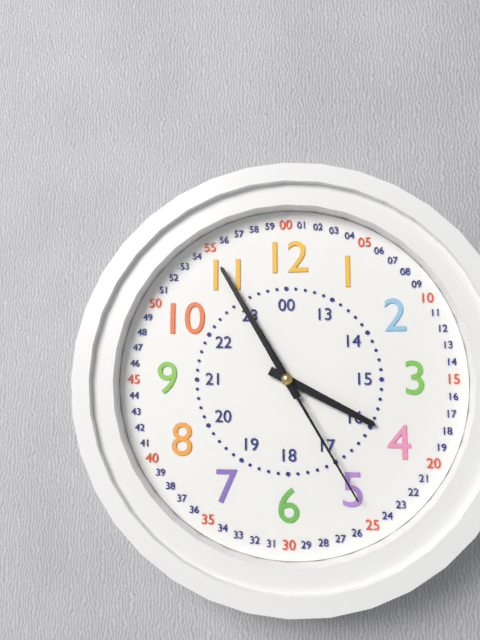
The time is **3:55:25**
